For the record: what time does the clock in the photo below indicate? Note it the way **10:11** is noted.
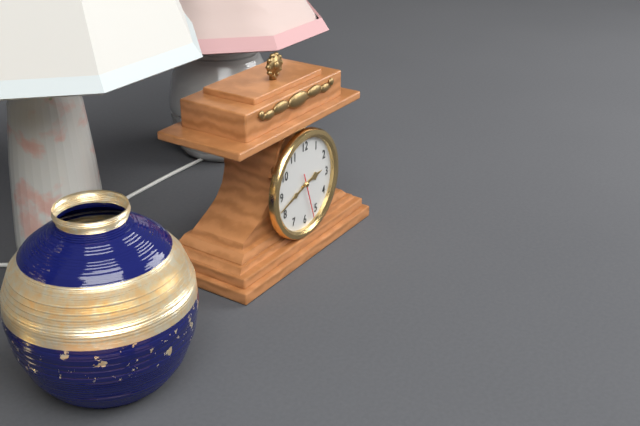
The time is **2:42**
